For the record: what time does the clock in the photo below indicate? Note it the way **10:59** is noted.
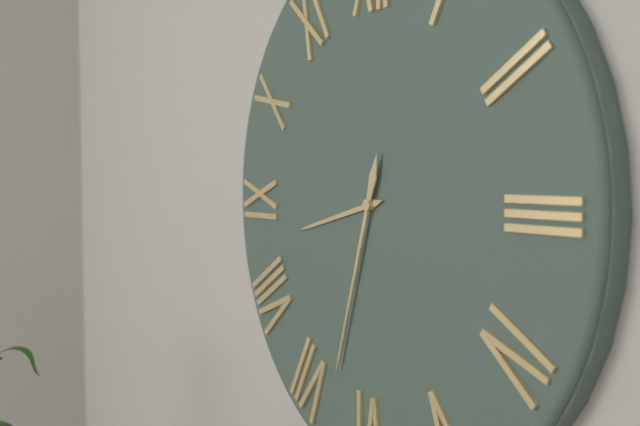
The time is **8:33**
